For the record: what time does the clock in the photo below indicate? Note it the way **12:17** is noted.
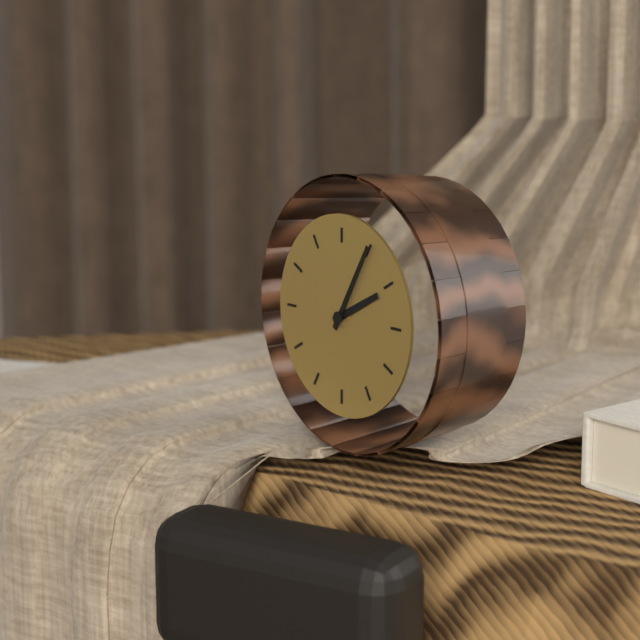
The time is **2:05**
